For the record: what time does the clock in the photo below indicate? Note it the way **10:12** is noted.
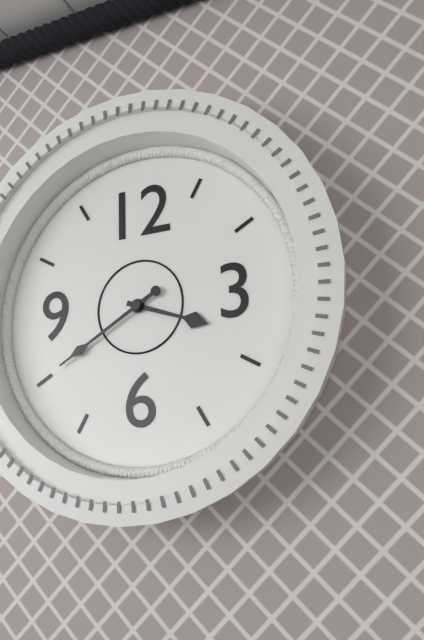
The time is **3:40**
